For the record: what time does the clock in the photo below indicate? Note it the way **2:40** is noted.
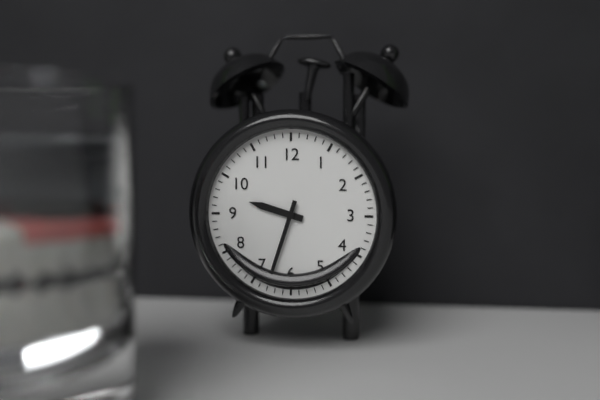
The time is **9:33**
